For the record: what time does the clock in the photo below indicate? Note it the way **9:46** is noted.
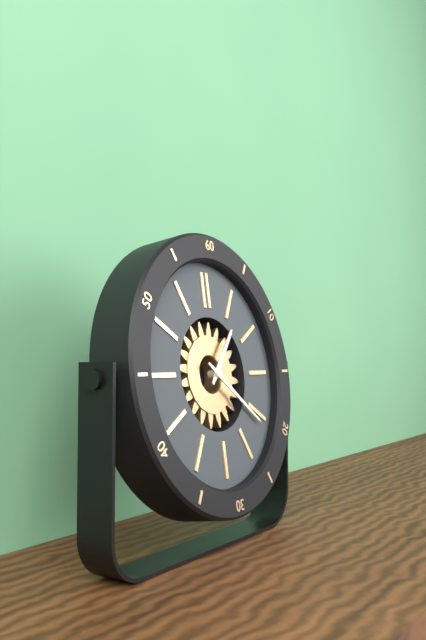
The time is **1:21**
